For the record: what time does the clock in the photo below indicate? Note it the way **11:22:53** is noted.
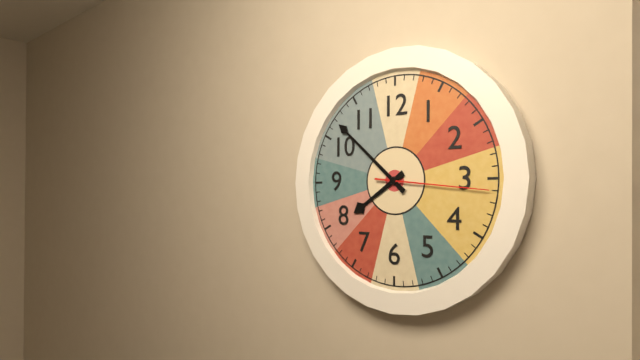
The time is **7:52:16**
